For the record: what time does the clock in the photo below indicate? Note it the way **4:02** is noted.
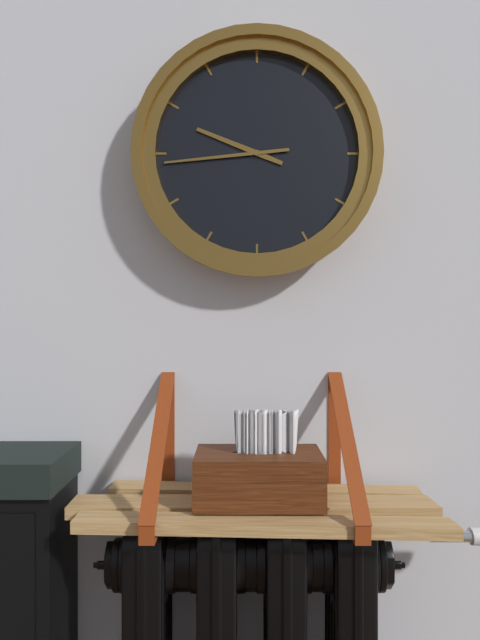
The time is **9:44**
